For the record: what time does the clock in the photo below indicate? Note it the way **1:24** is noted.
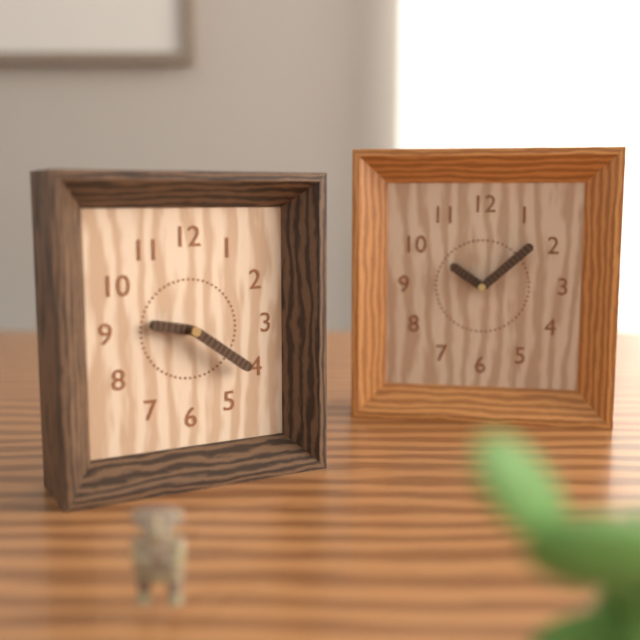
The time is **9:21**
